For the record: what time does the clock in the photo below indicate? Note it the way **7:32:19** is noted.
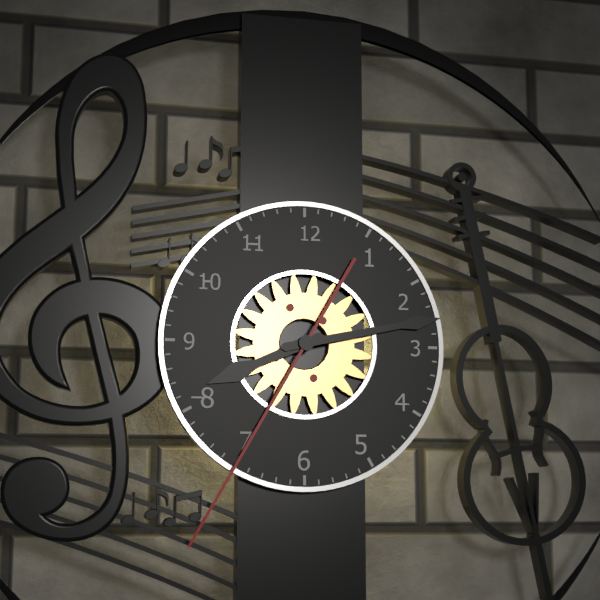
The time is **8:13:35**
